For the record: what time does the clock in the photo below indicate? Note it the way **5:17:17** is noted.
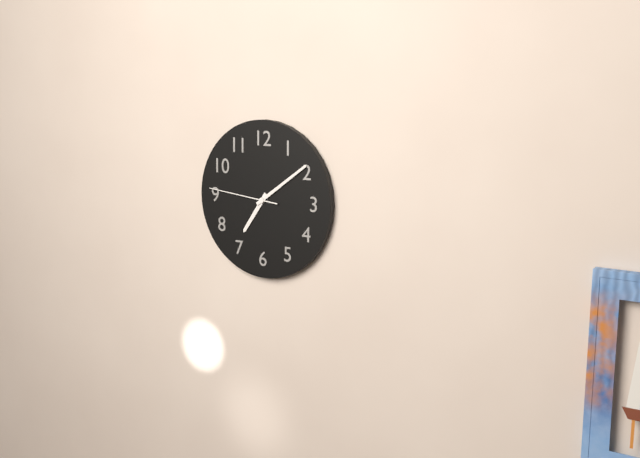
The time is **7:09:46**
